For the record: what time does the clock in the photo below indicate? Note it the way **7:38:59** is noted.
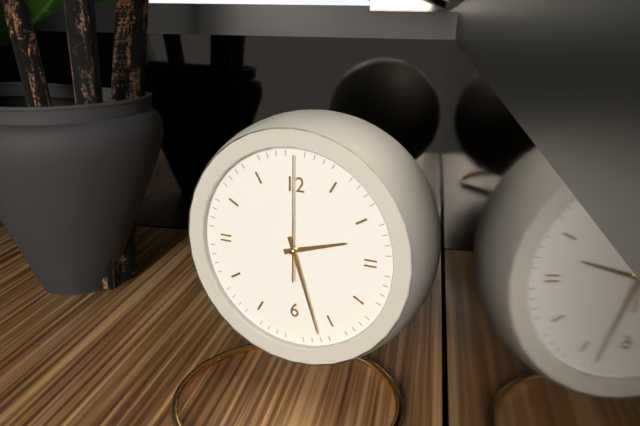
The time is **2:27:00**
